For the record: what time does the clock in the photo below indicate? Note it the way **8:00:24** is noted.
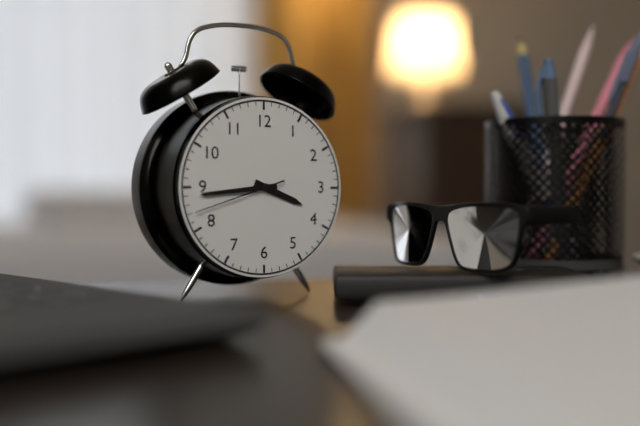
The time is **3:44:42**
